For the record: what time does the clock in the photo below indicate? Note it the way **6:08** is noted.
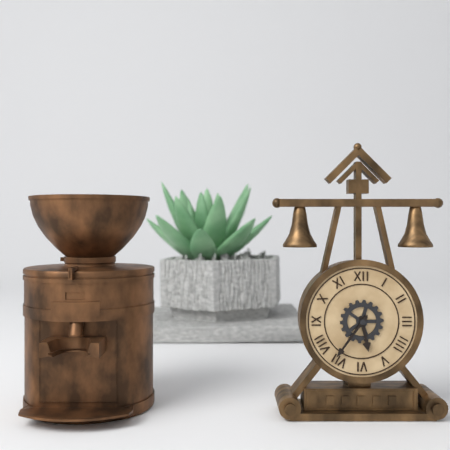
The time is **5:36**
